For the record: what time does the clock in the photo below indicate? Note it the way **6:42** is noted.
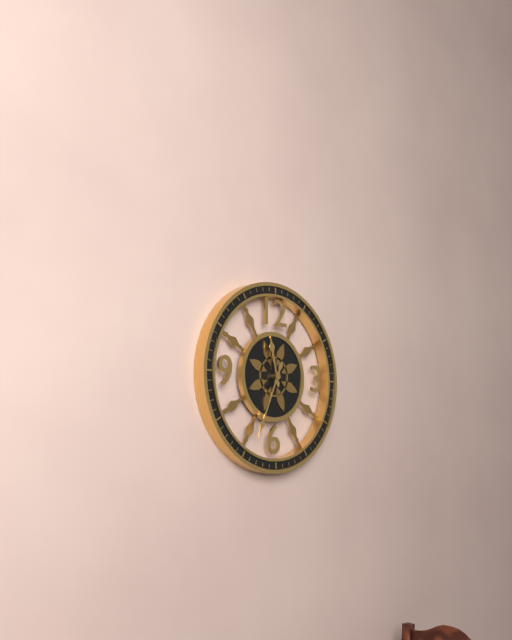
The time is **11:34**
